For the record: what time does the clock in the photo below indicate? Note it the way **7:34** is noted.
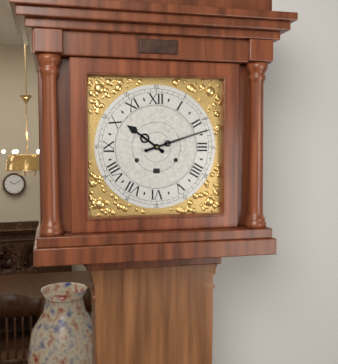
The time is **10:12**
